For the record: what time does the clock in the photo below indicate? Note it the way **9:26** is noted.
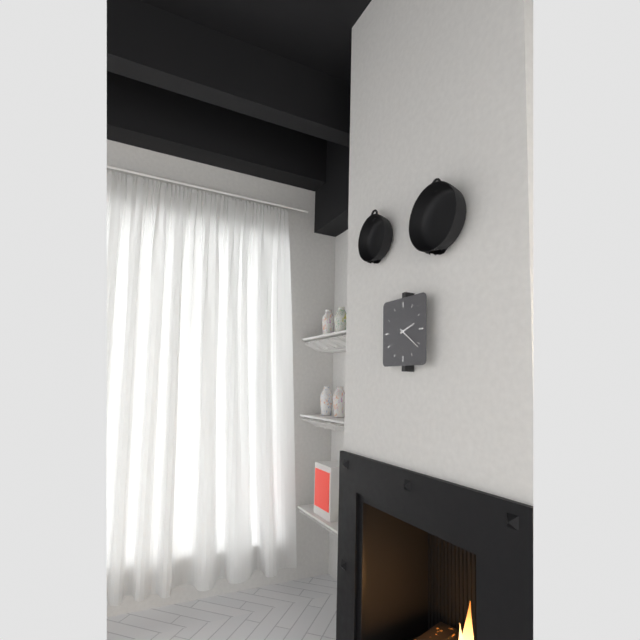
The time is **2:21**
